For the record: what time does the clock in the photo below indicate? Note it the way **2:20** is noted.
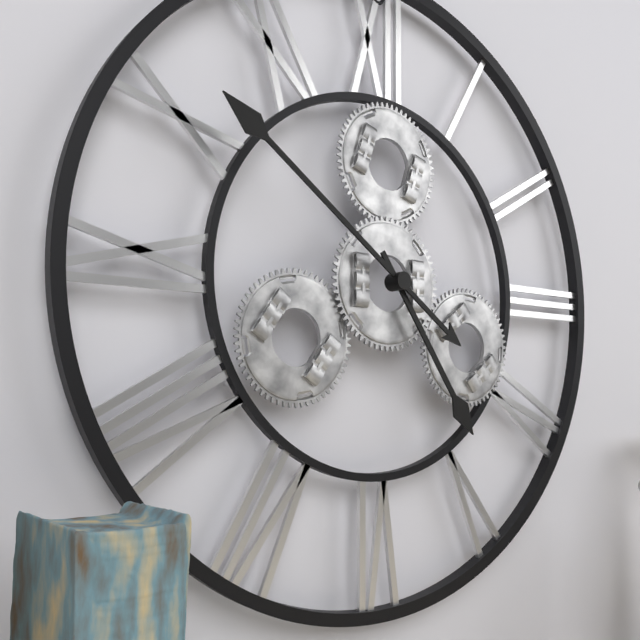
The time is **4:51**
